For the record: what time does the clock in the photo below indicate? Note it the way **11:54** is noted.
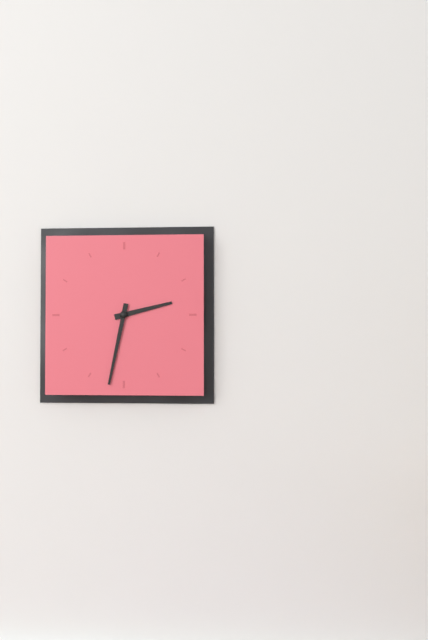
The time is **2:32**
